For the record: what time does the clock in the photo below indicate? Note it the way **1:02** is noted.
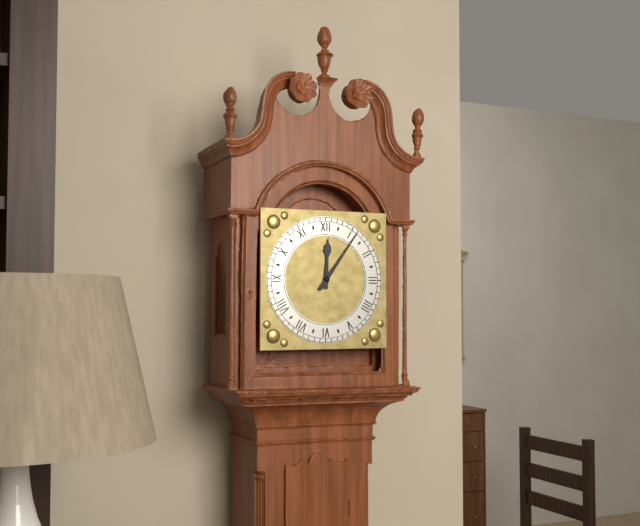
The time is **12:06**
